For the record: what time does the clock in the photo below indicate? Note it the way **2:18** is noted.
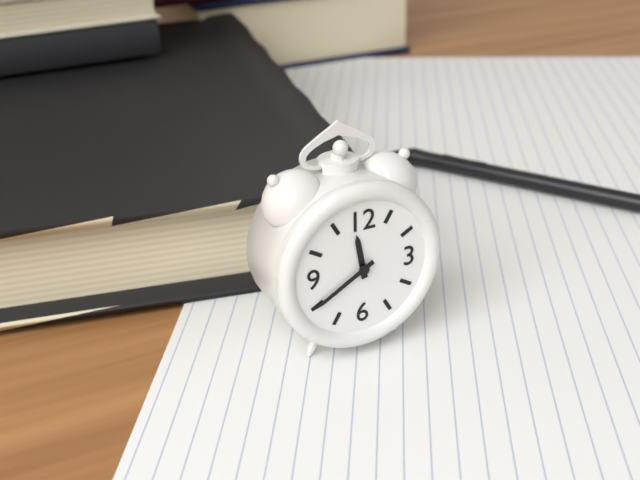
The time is **11:40**
